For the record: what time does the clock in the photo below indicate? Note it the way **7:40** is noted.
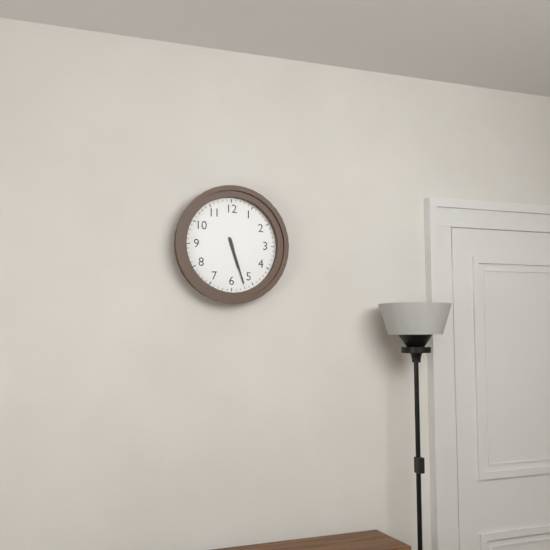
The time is **5:27**
